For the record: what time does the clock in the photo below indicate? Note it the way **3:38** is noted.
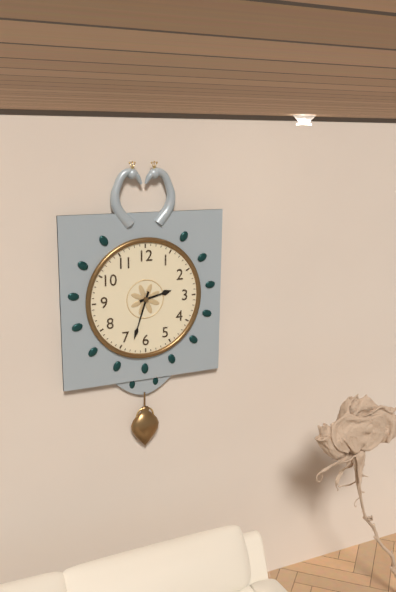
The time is **2:33**
